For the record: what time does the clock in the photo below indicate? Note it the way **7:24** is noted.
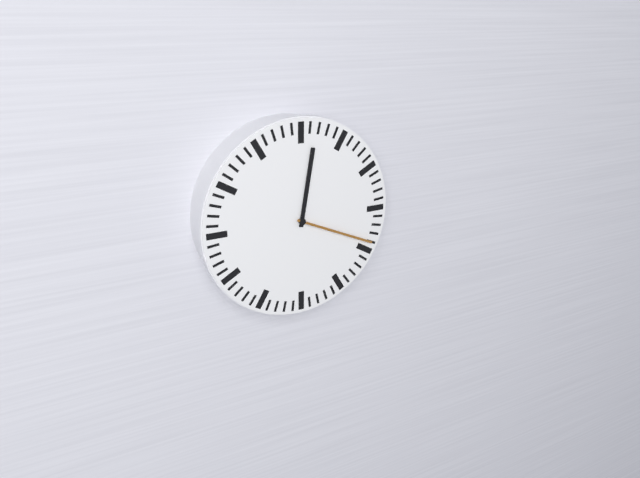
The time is **12:19**
